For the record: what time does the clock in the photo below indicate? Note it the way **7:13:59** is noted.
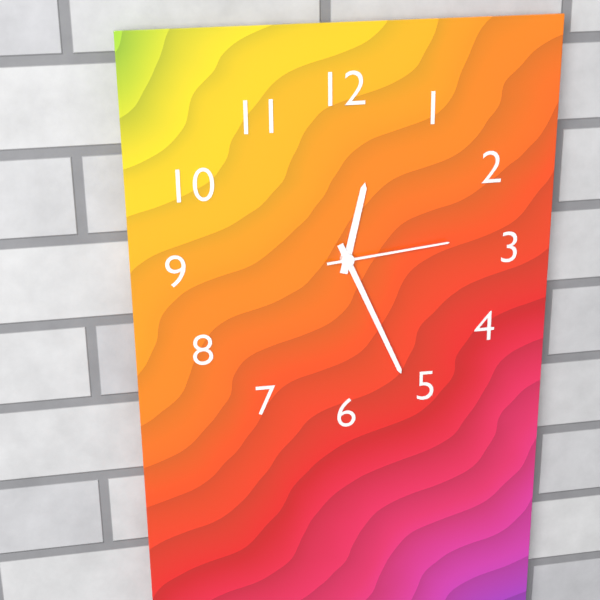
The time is **12:26:14**
